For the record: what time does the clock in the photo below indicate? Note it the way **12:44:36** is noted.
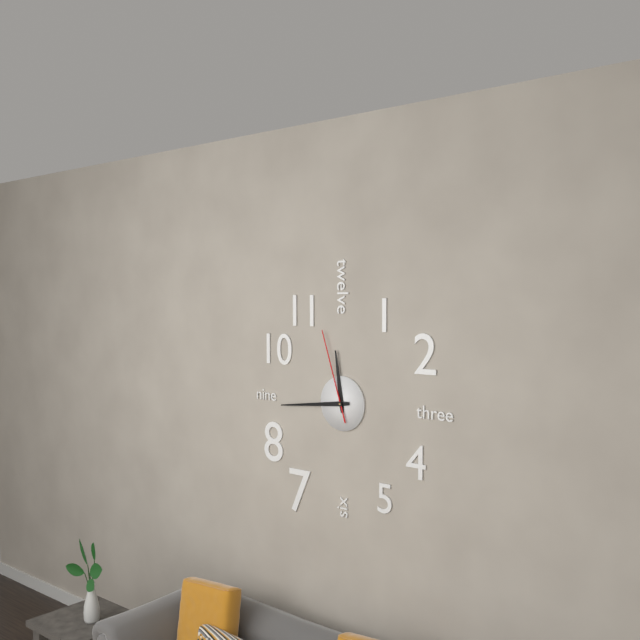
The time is **11:44:57**
